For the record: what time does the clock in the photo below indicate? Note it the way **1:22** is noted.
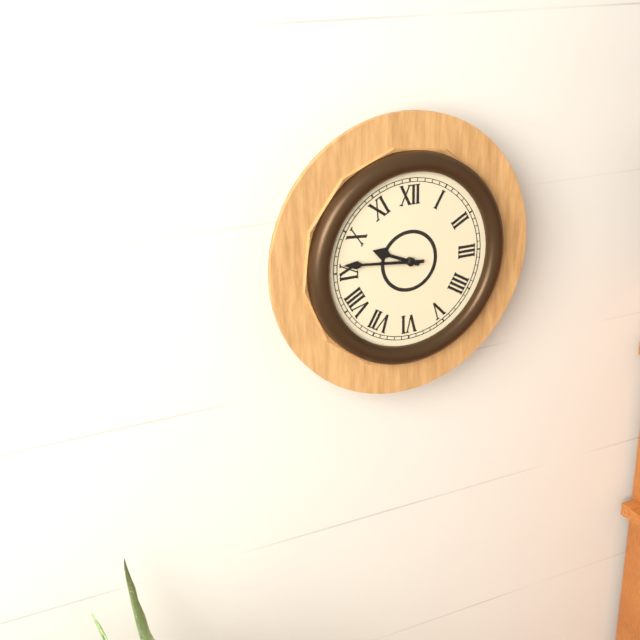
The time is **9:46**
